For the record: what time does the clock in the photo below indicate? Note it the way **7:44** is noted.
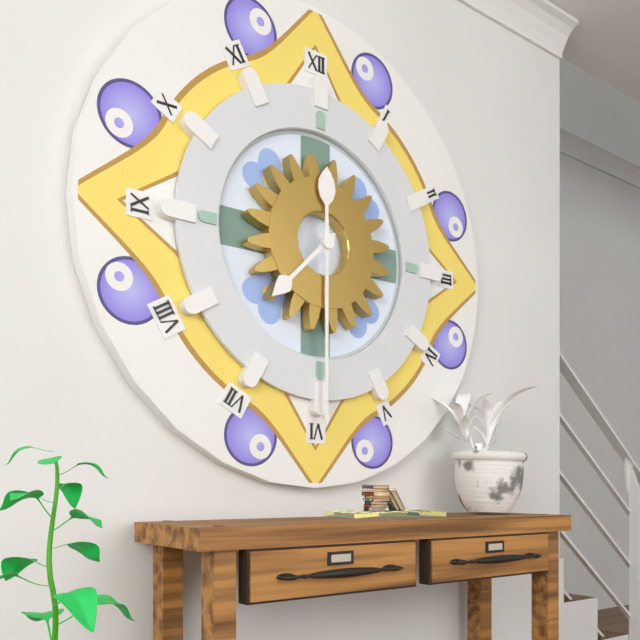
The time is **7:30**
